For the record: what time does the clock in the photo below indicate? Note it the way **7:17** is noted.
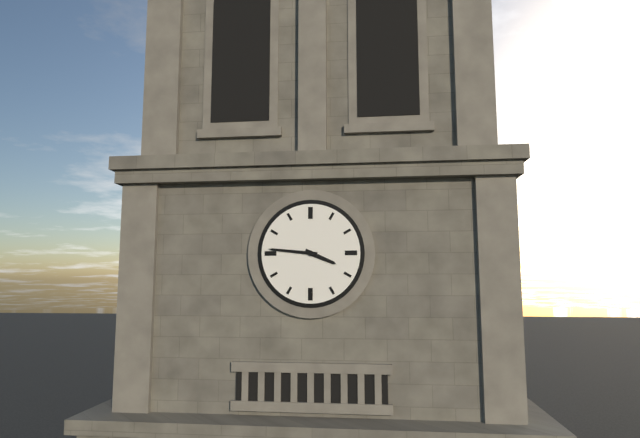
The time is **3:46**
